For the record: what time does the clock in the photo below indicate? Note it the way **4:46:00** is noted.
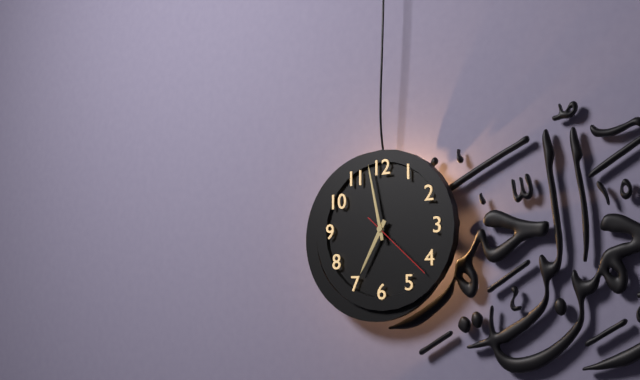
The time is **6:58:22**
